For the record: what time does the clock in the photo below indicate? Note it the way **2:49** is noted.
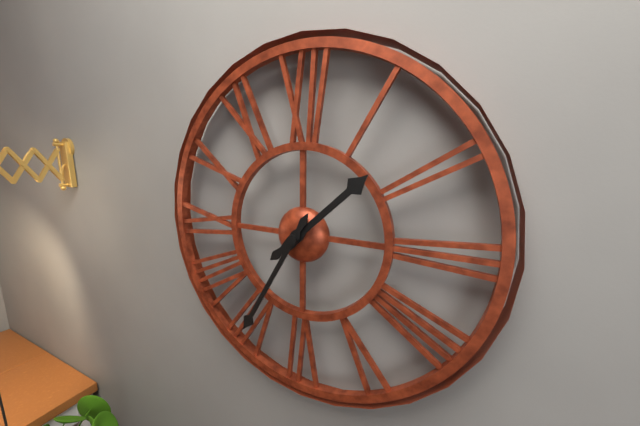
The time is **1:35**
